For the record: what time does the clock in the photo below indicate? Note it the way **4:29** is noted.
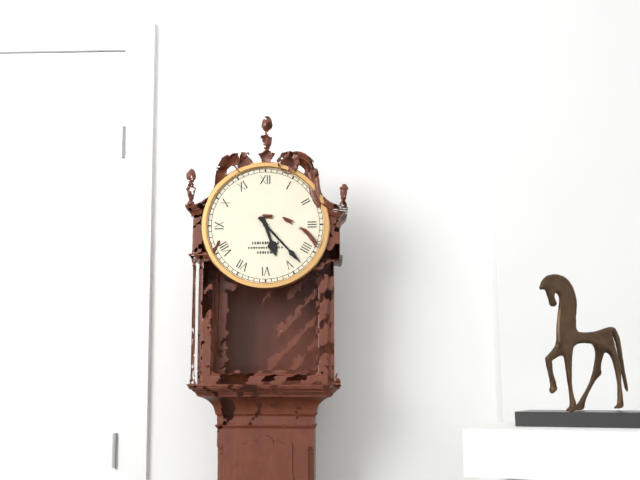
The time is **5:23**
